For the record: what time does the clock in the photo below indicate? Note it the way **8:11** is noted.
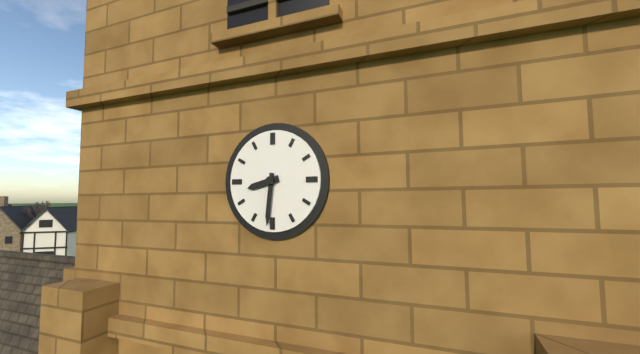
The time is **8:31**
